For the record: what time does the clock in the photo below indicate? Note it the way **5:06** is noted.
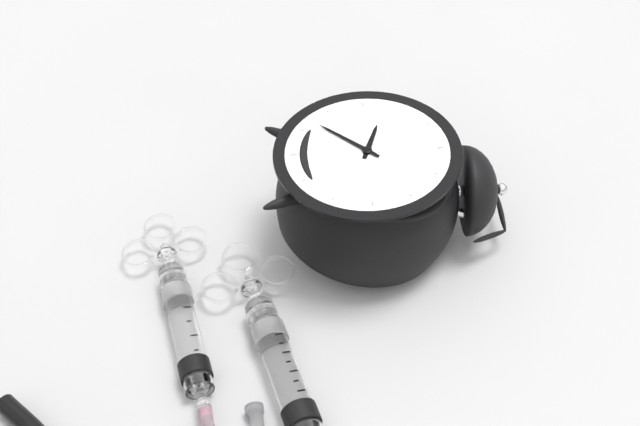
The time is **9:37**
